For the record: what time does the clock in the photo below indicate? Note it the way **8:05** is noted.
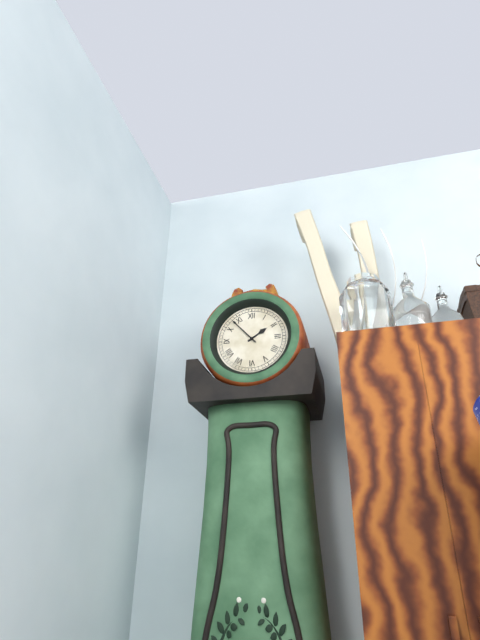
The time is **1:53**
